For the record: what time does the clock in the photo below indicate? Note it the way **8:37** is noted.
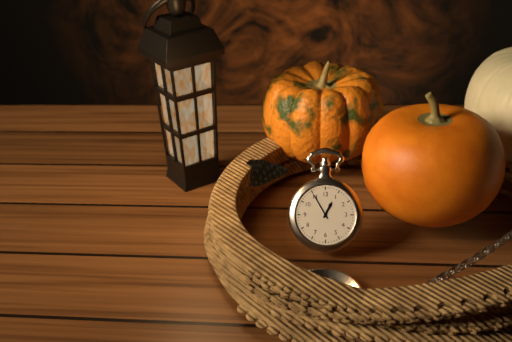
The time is **12:55**
